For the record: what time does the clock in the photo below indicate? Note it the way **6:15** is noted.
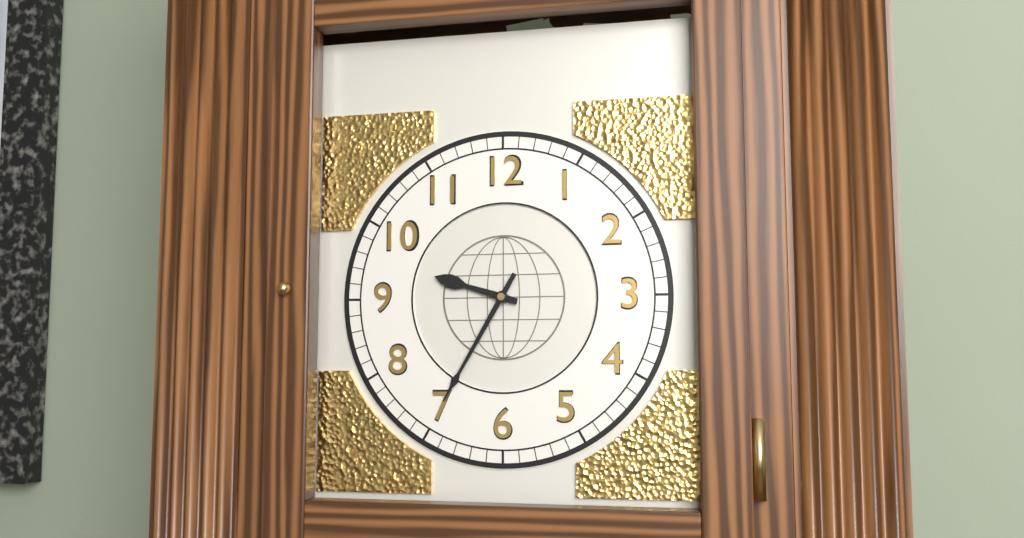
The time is **9:35**
